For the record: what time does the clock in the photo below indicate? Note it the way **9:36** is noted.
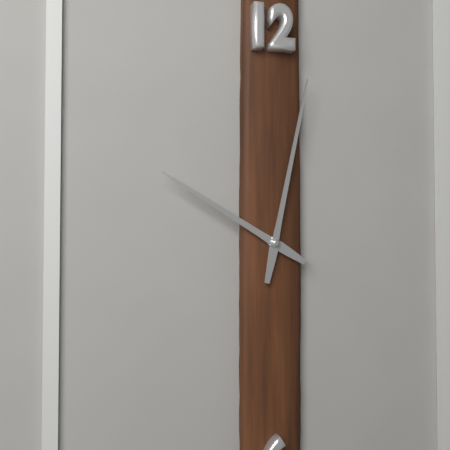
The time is **10:02**
